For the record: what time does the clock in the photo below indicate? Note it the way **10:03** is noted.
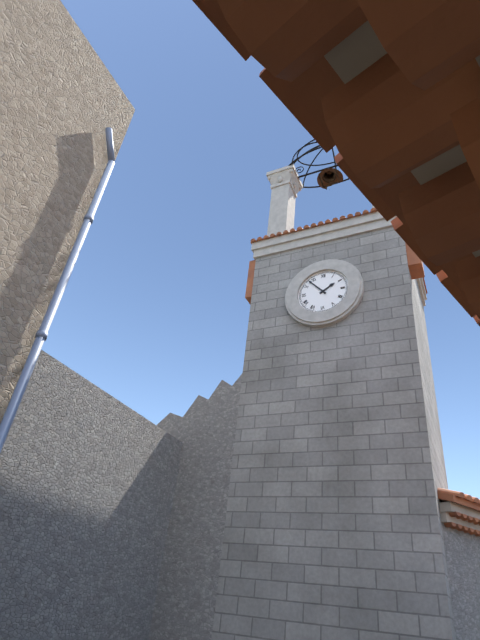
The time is **1:53**
